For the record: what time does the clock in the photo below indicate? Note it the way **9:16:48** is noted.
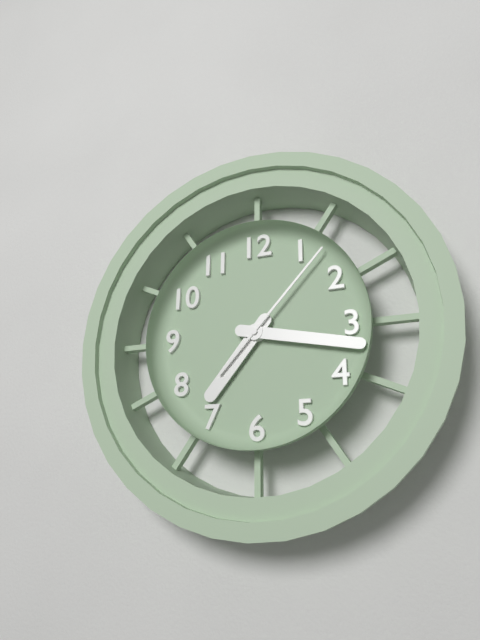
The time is **7:17:07**
